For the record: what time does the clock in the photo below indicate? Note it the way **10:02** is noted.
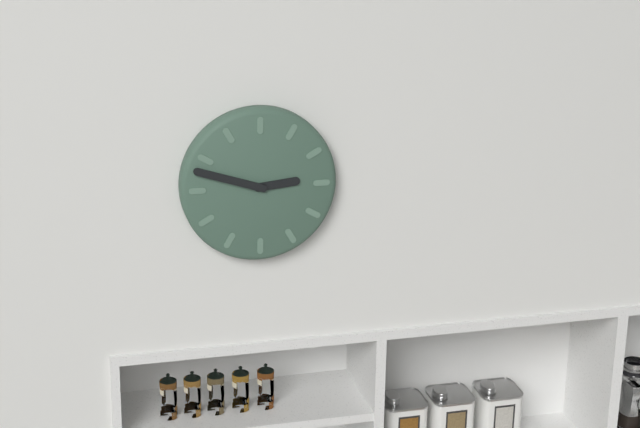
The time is **2:48**
